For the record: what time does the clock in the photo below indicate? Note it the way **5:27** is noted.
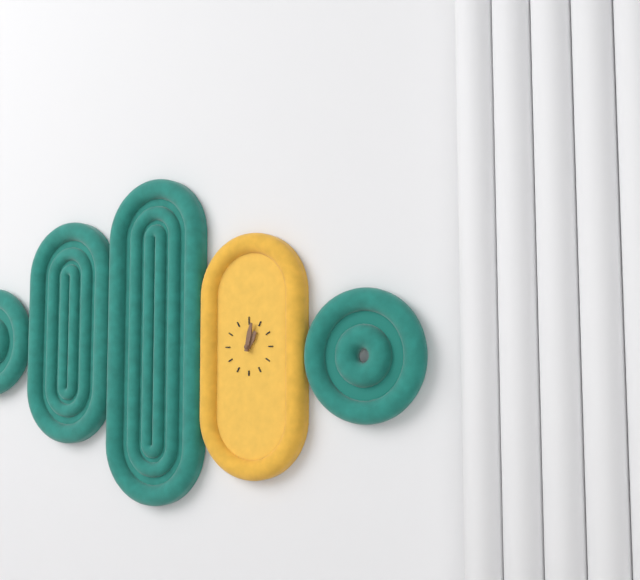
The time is **1:02**
